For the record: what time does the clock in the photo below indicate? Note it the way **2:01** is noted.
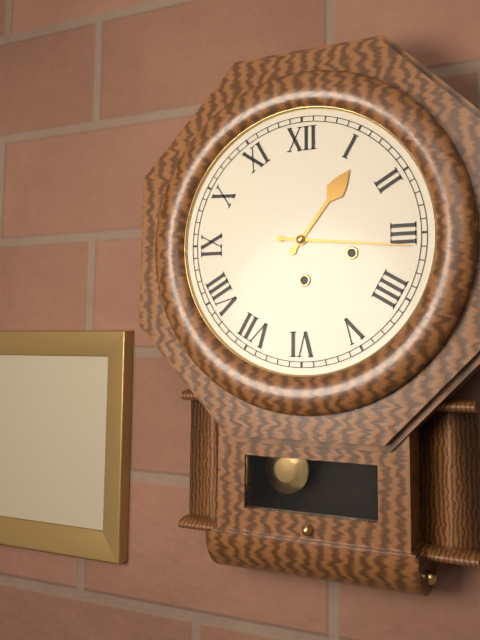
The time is **1:16**
